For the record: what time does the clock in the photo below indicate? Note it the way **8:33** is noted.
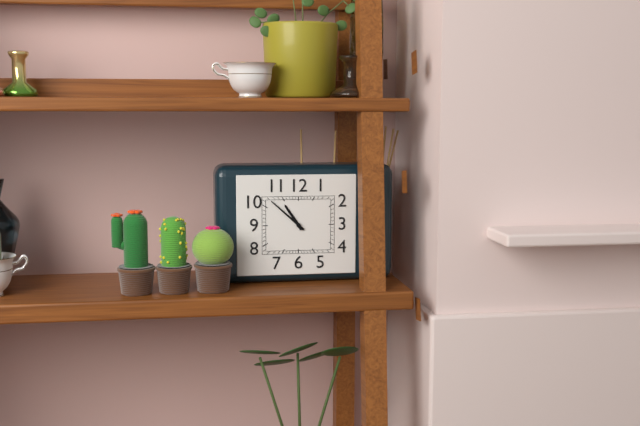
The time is **10:52**
